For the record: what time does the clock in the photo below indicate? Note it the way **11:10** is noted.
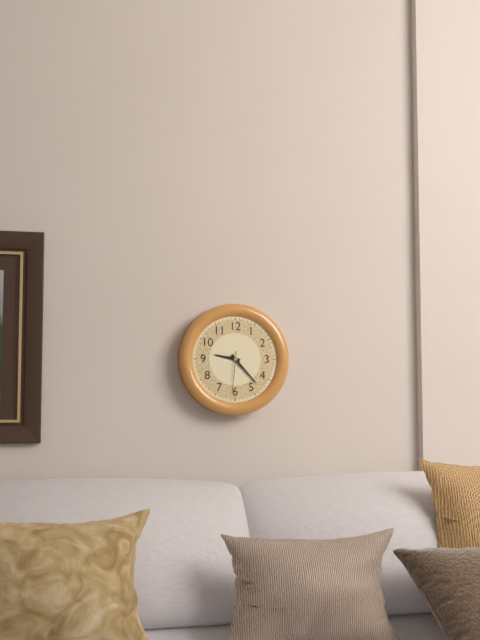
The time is **9:23**
